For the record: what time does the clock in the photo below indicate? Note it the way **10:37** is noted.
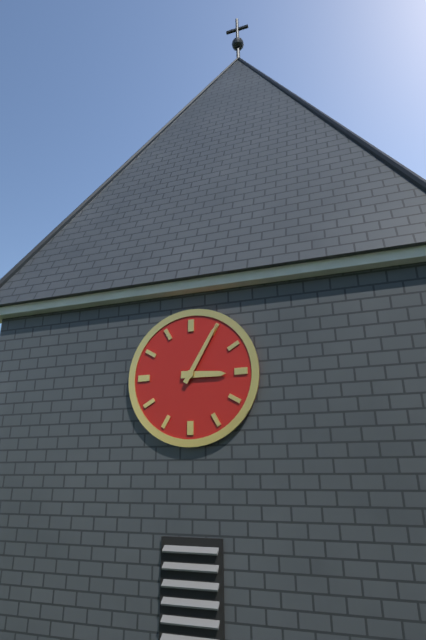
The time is **3:05**
